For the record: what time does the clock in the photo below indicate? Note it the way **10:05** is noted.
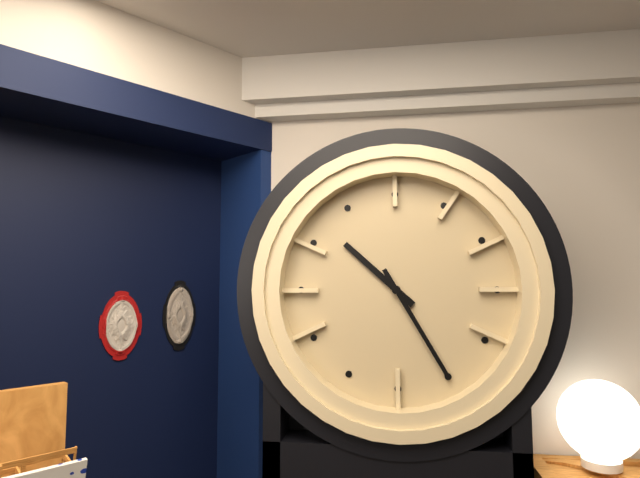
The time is **10:25**
